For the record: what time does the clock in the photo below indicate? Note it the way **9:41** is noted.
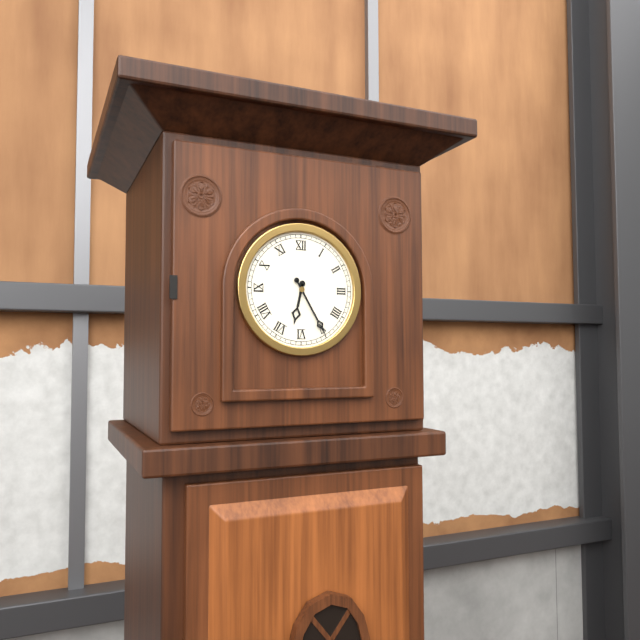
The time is **6:25**
